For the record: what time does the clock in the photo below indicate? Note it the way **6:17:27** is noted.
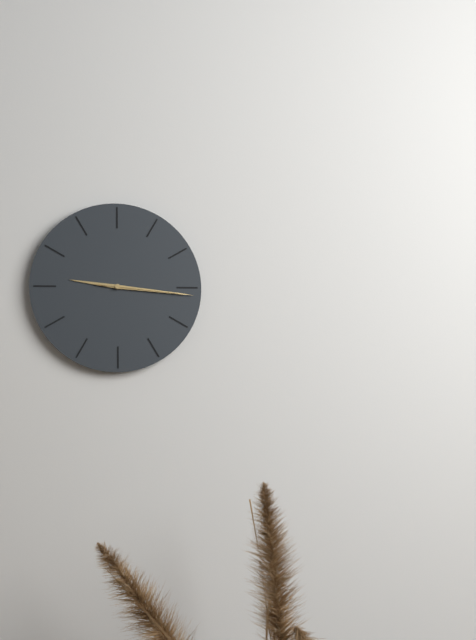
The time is **9:16:16**
